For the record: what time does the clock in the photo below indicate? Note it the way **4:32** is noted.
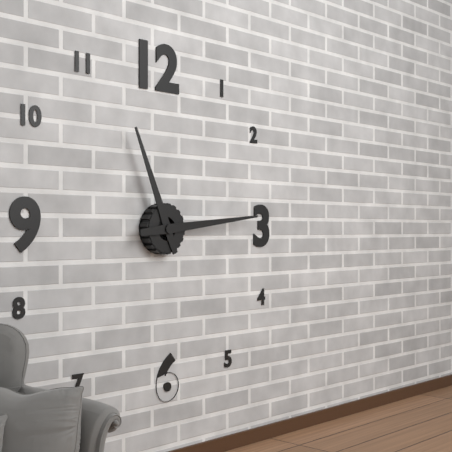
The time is **11:14**
